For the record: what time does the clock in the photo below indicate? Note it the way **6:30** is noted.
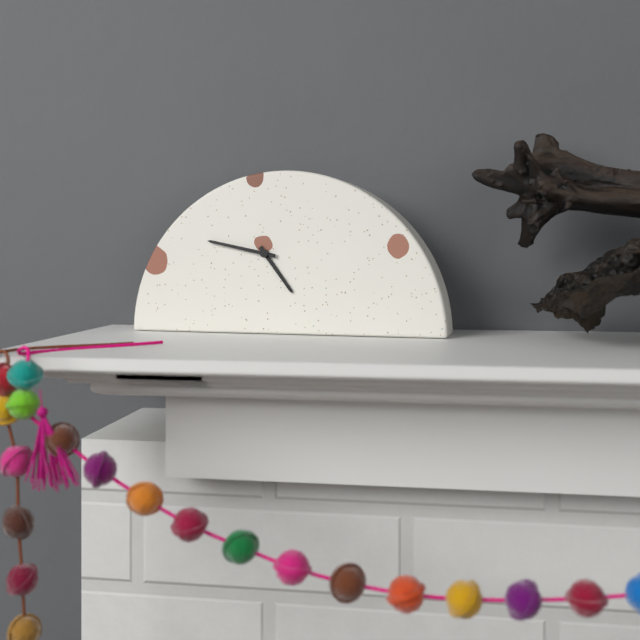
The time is **4:47**
